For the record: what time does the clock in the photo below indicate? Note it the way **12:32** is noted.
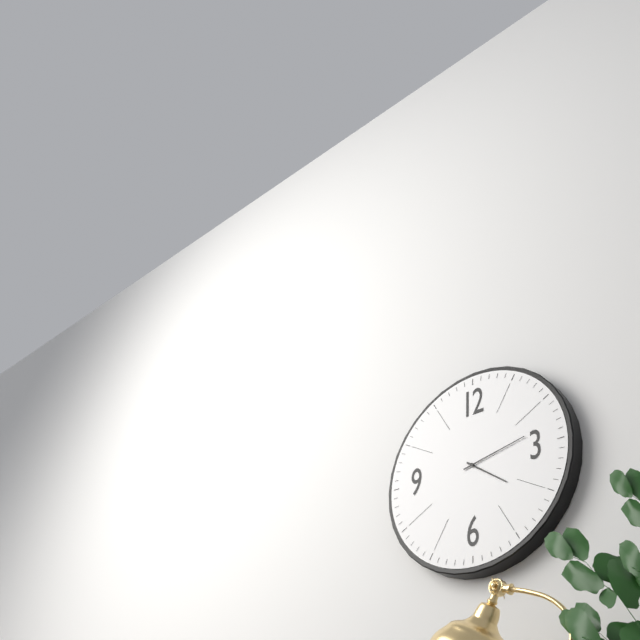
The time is **4:13**
